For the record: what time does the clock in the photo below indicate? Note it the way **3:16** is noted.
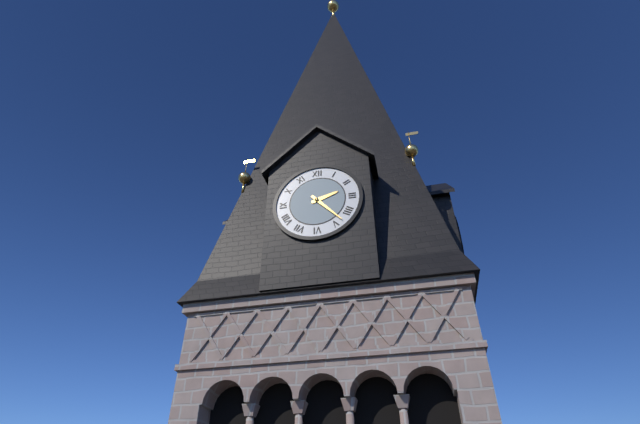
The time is **2:23**
